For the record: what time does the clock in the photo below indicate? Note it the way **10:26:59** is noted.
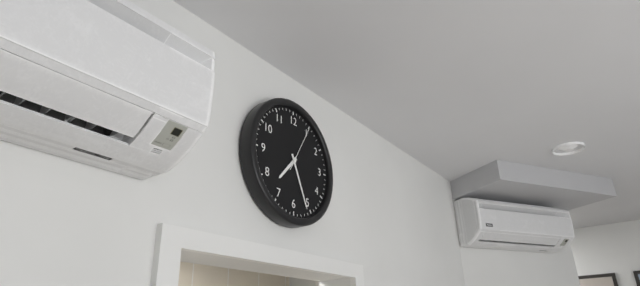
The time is **7:26:05**
